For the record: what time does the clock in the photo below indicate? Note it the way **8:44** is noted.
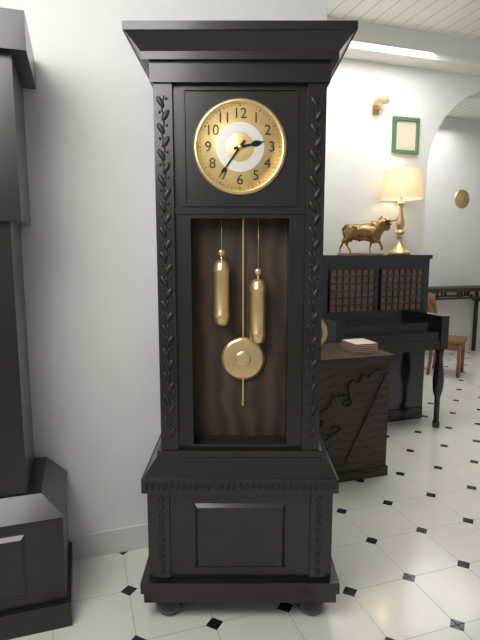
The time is **2:36**
